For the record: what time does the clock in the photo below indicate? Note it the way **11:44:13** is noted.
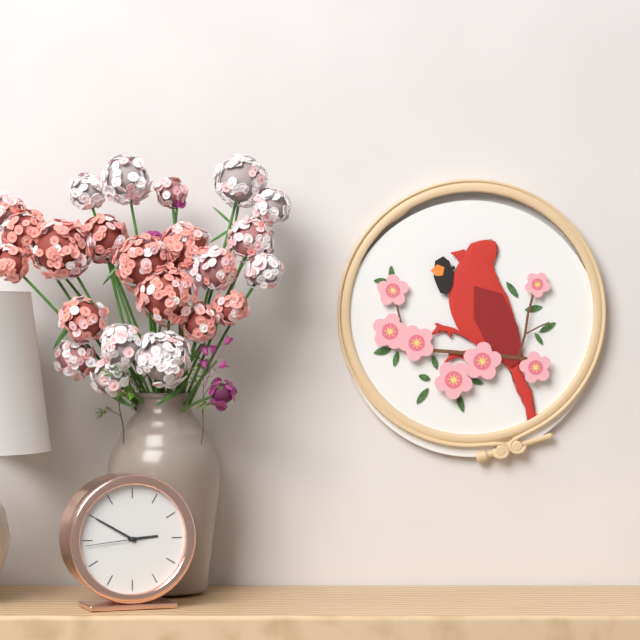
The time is **2:50:44**
